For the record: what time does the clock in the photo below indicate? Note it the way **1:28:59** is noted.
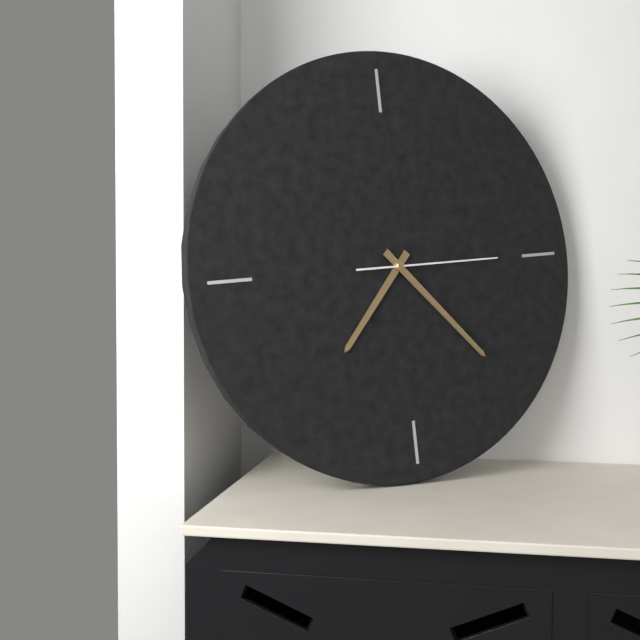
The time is **7:23:15**
